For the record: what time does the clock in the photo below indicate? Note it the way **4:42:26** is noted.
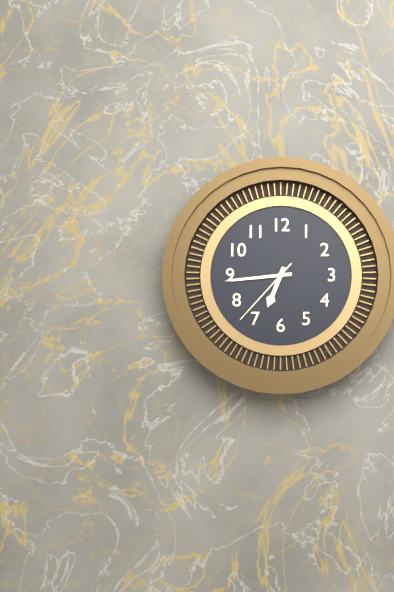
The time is **6:44:37**
